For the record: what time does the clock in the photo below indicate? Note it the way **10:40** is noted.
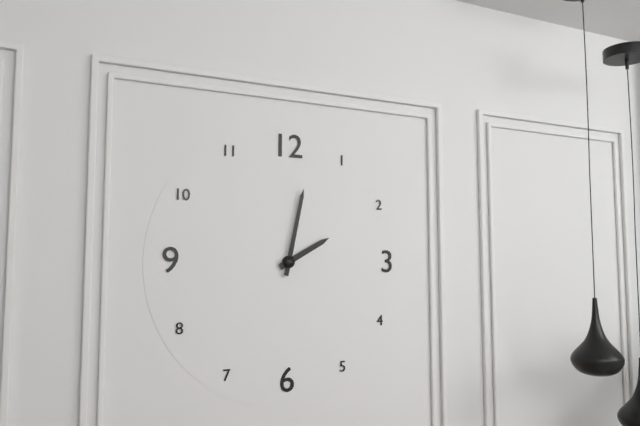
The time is **2:02**
